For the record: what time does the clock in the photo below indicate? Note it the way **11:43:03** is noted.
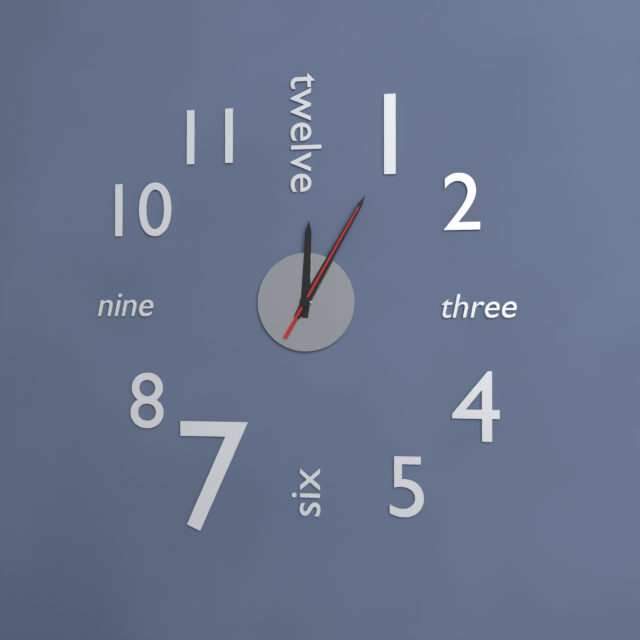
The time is **12:05:05**
